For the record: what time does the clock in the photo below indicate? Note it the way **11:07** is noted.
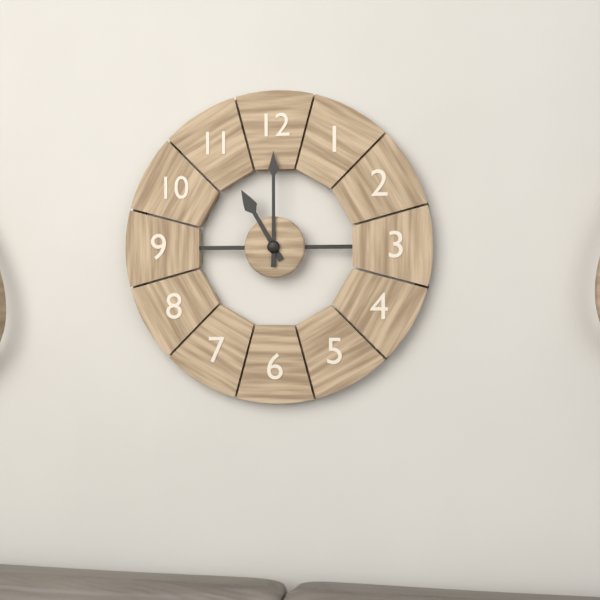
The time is **11:00**
